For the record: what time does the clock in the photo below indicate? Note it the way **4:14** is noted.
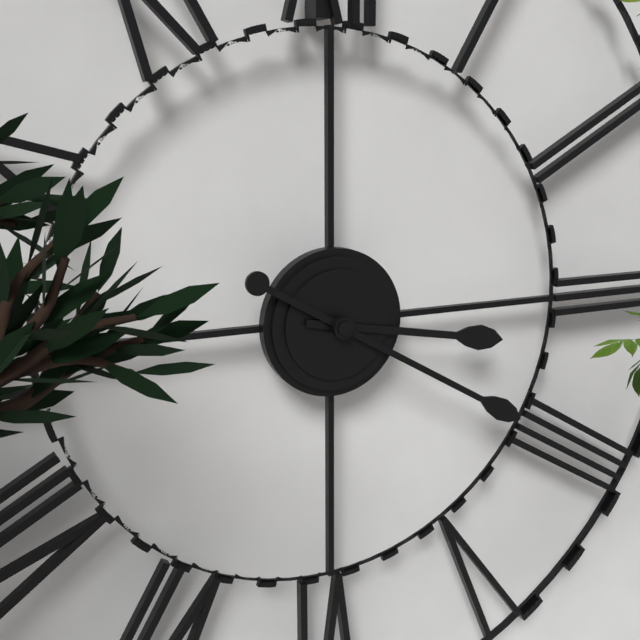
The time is **3:20**
